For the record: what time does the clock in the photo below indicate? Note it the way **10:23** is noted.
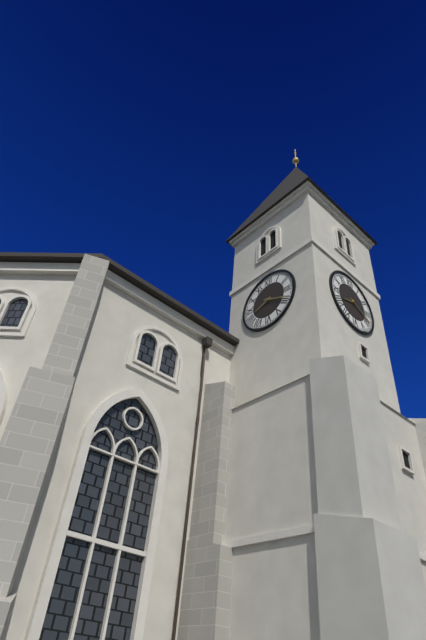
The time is **8:19**
